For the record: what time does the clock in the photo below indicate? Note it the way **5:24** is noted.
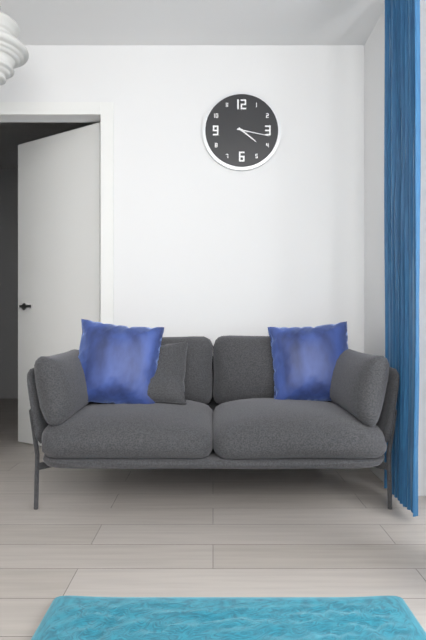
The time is **4:17**
